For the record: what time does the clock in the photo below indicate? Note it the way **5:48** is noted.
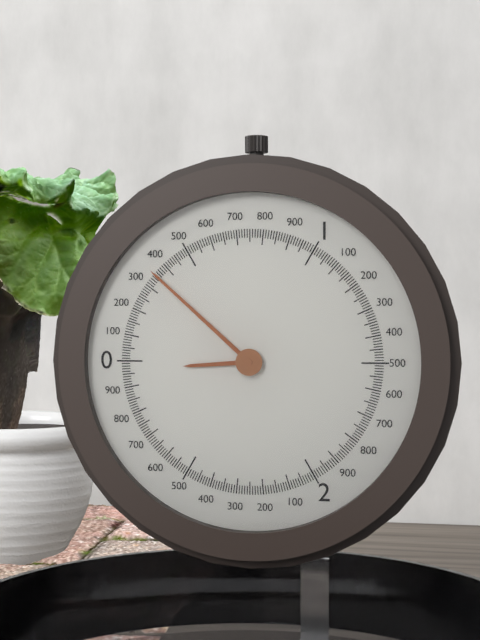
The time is **8:52**
